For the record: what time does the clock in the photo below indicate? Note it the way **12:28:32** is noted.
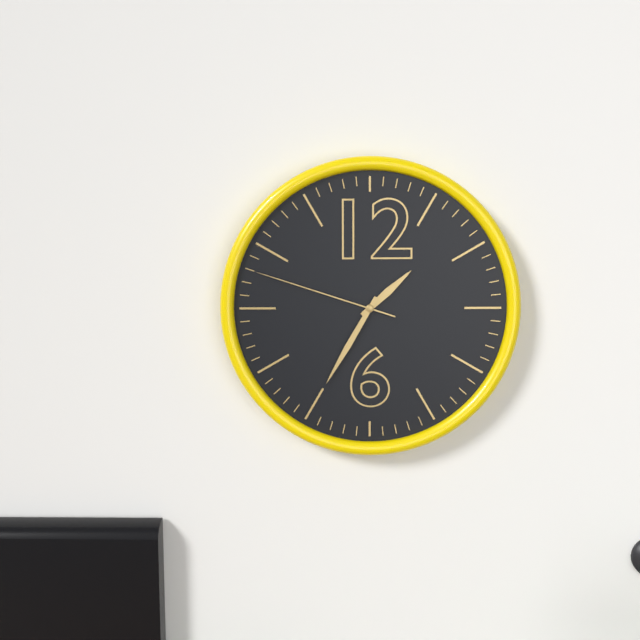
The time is **1:35:48**
